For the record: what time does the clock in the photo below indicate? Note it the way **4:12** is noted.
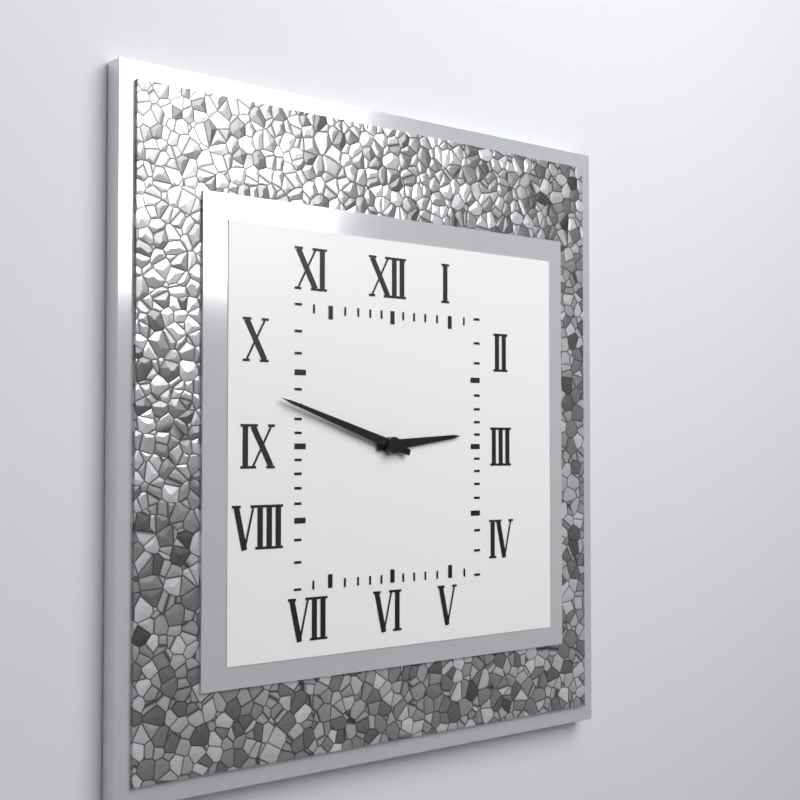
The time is **2:48**
